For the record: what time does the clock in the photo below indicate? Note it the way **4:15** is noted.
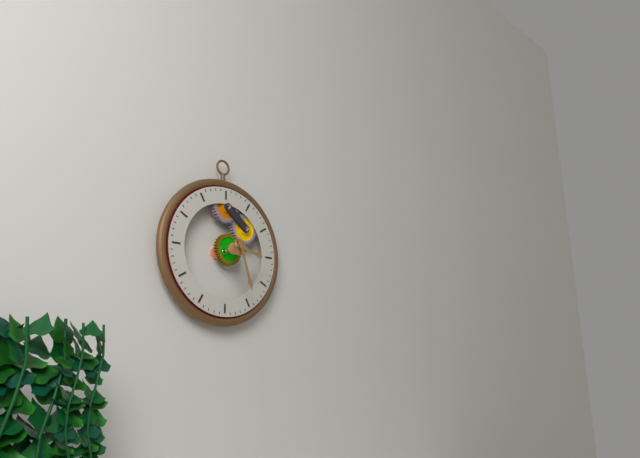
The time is **3:27**
